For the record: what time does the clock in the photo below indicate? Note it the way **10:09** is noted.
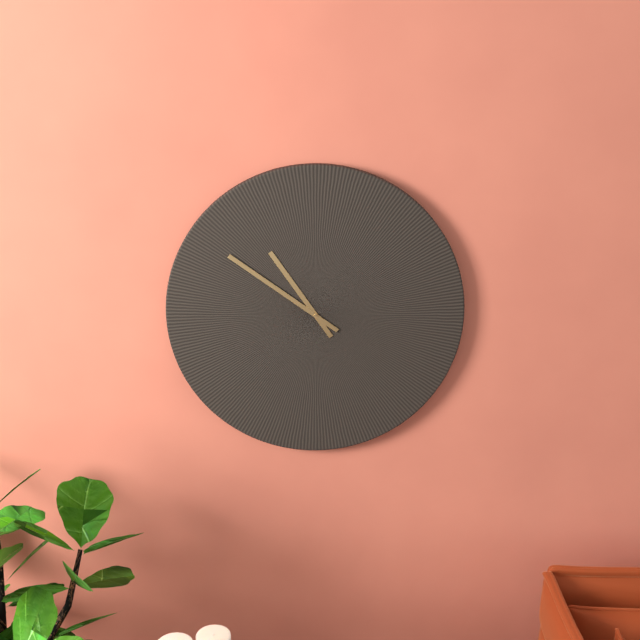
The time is **10:51**
